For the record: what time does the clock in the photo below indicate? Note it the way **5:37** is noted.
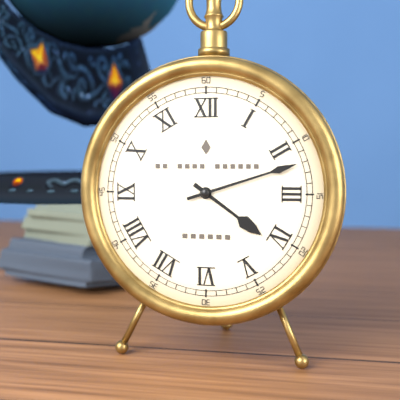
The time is **4:12**
